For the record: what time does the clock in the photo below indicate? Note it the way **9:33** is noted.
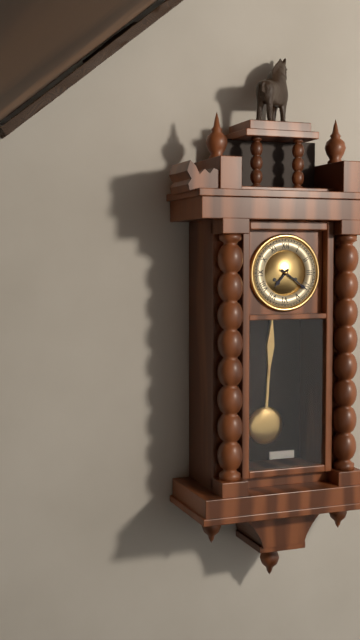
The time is **7:21**
